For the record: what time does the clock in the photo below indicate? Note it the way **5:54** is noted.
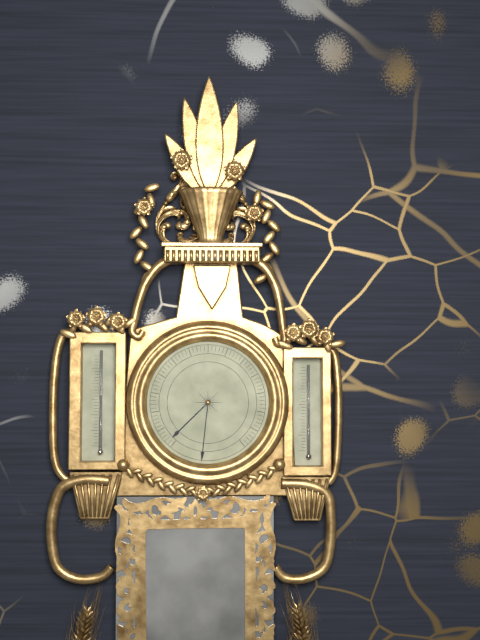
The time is **7:31**
